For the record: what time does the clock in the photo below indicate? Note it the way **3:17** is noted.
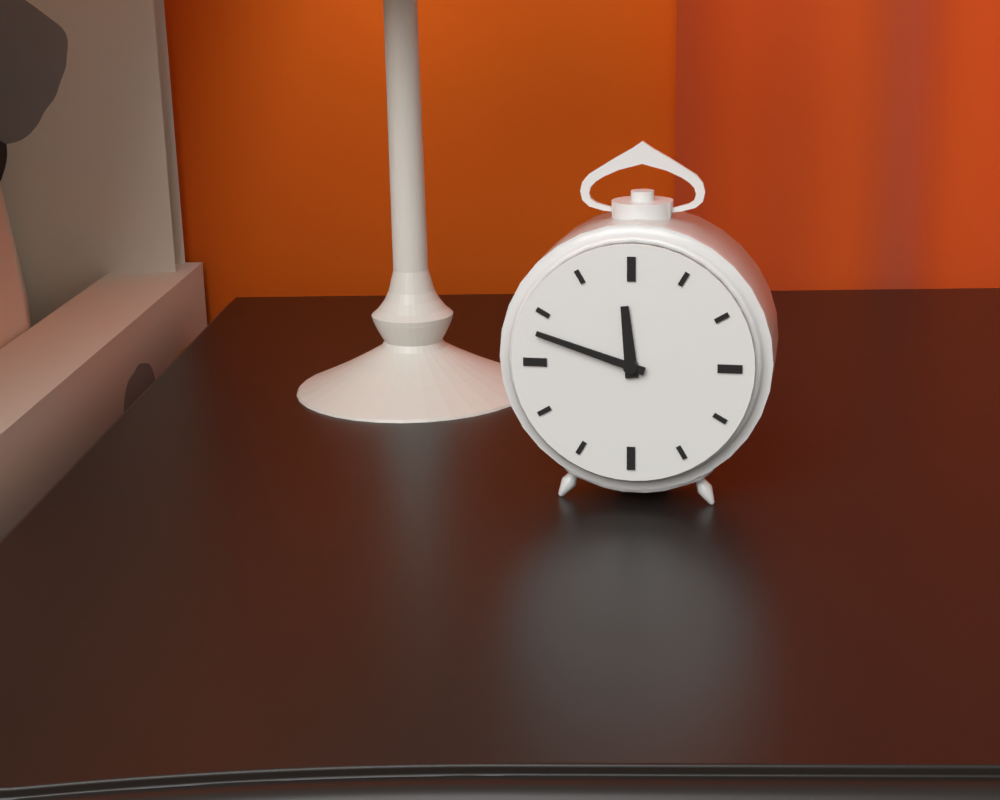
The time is **11:48**
